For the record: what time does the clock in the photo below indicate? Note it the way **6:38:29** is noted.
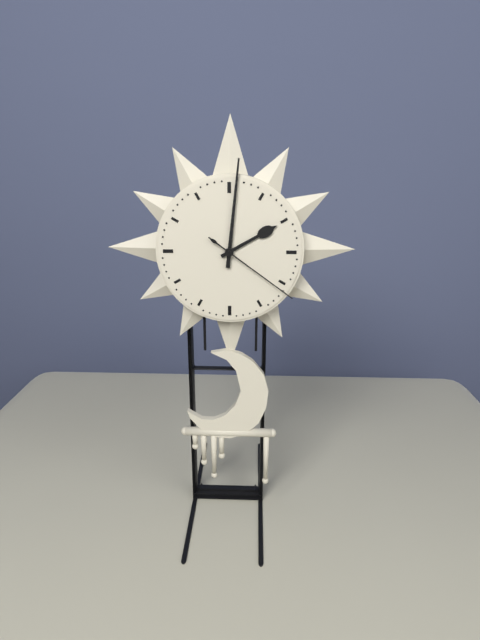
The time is **2:01:21**
